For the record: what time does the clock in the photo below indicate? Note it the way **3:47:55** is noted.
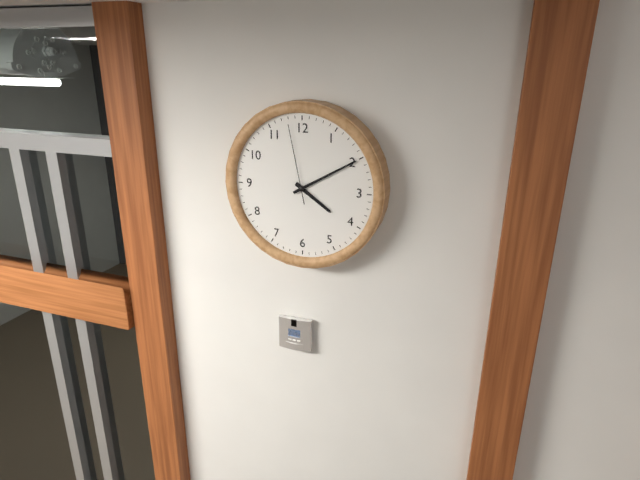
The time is **4:10:58**
